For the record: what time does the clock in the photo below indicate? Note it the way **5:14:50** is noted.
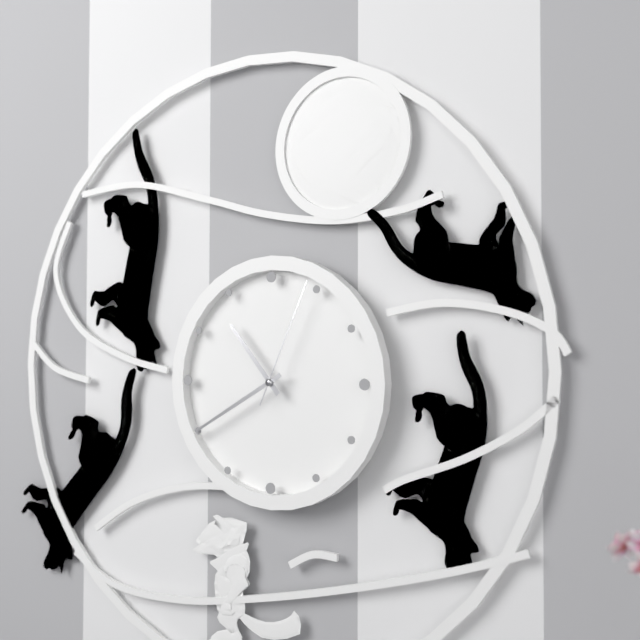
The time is **10:40:04**
